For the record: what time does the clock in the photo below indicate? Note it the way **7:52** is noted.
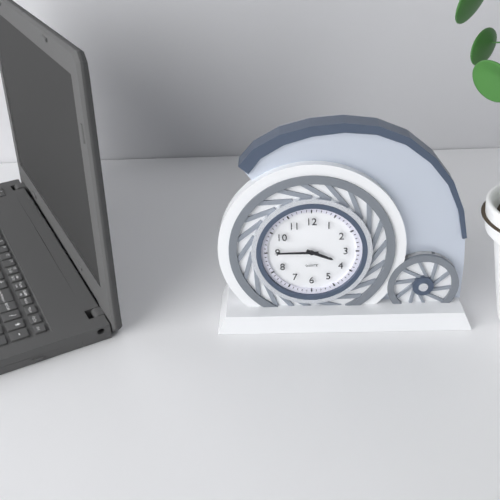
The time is **3:45**
